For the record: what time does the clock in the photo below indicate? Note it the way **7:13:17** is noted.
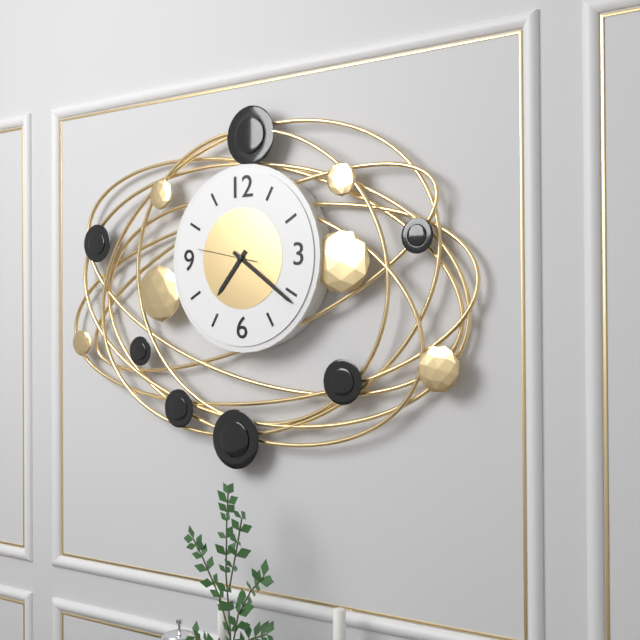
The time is **7:21:47**
